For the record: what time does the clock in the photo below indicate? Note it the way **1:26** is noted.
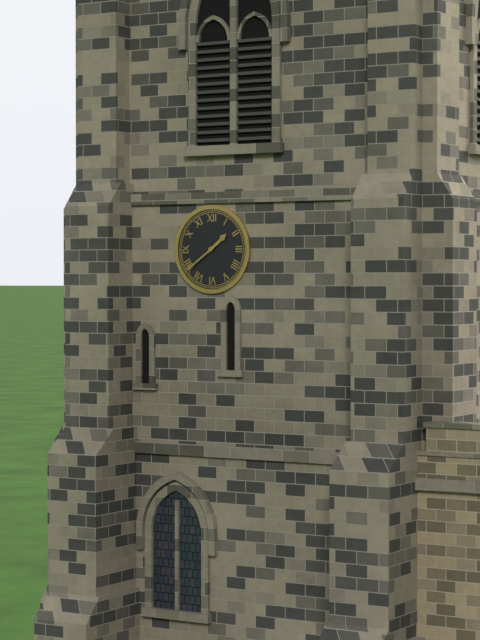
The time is **1:39**
